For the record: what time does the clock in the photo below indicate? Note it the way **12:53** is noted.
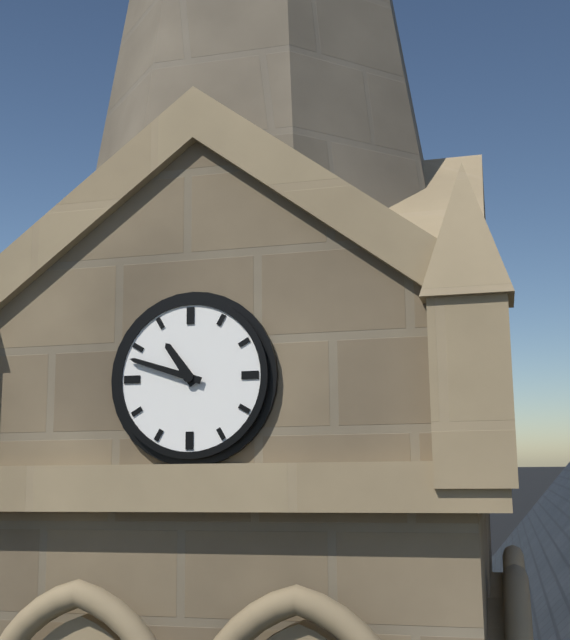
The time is **10:48**
